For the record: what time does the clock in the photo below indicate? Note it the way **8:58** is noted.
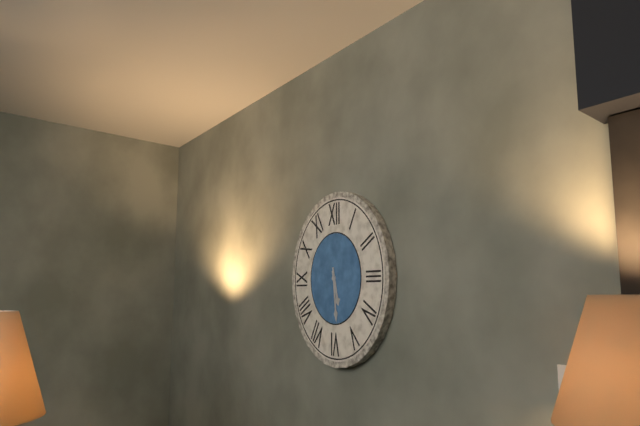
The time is **5:29**
